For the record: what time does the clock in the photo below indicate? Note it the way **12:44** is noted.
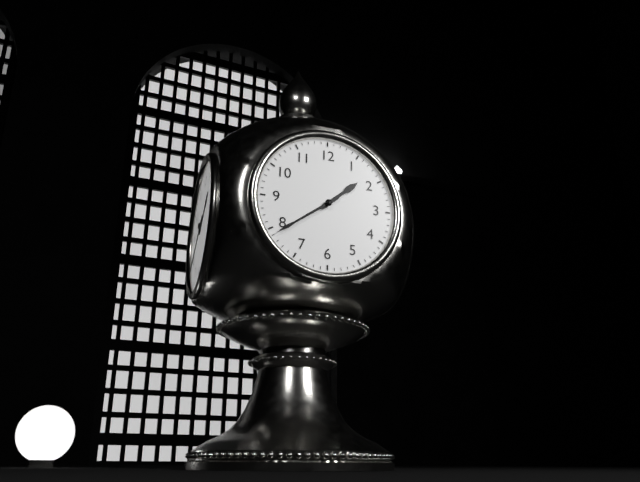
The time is **1:39**
